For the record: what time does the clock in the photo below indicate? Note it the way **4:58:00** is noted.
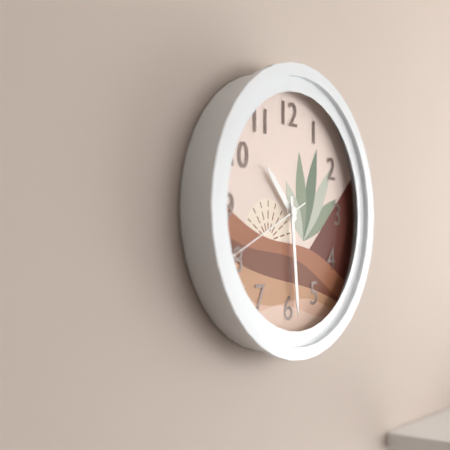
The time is **10:29:41**
